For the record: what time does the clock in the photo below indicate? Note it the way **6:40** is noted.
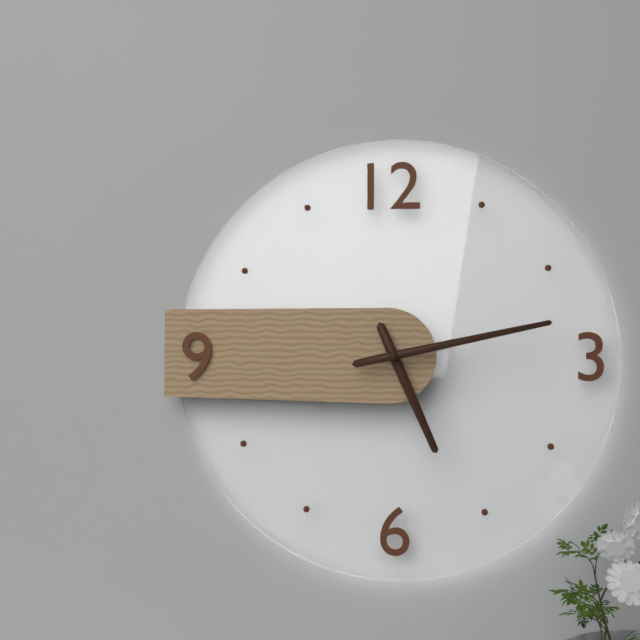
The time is **5:13**
